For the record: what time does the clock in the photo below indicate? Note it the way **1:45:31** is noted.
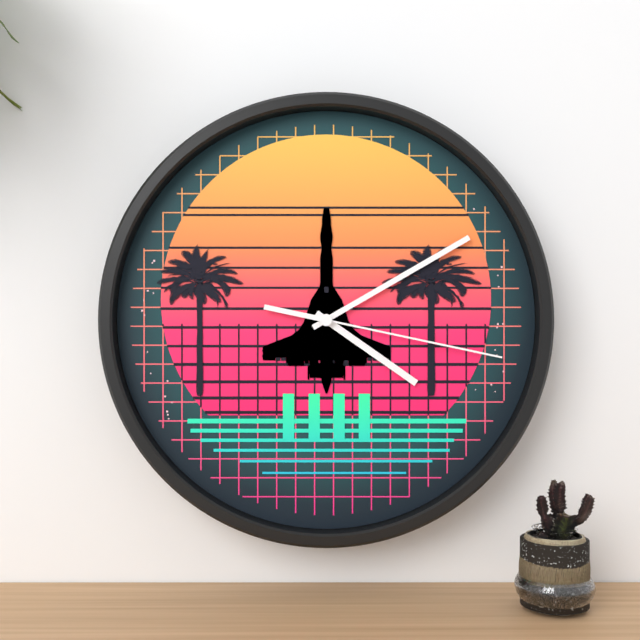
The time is **4:10:17**
